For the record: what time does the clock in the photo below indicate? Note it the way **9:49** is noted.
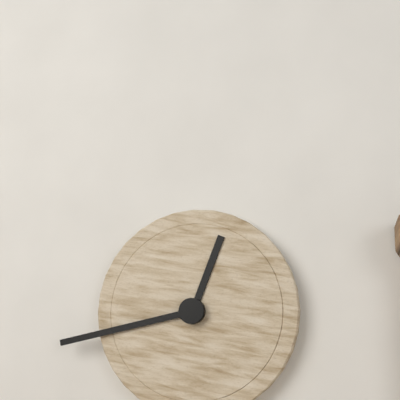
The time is **12:43**
